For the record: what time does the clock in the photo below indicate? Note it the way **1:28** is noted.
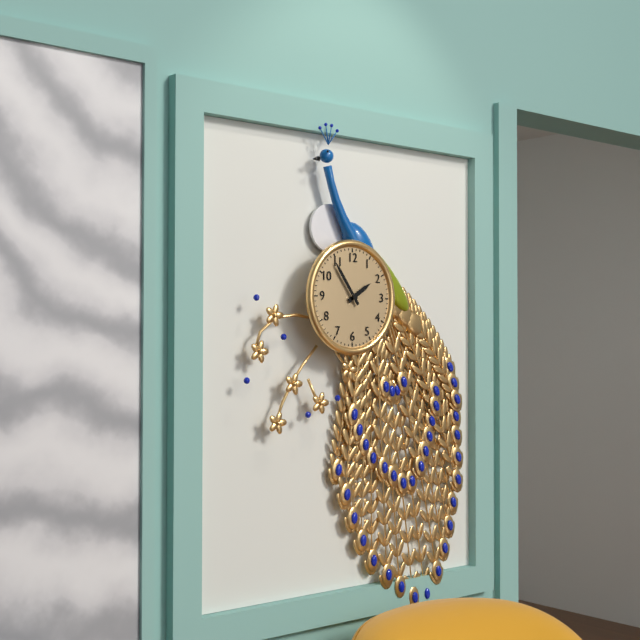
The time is **1:54**
